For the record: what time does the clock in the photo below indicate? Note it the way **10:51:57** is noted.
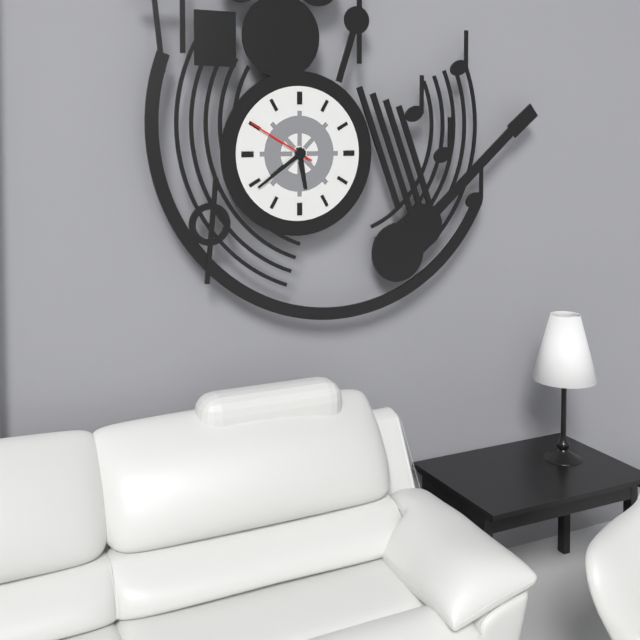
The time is **5:39:50**
